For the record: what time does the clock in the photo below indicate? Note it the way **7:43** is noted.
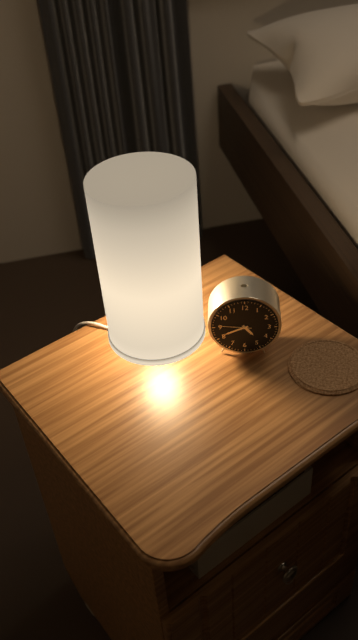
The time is **4:41**
